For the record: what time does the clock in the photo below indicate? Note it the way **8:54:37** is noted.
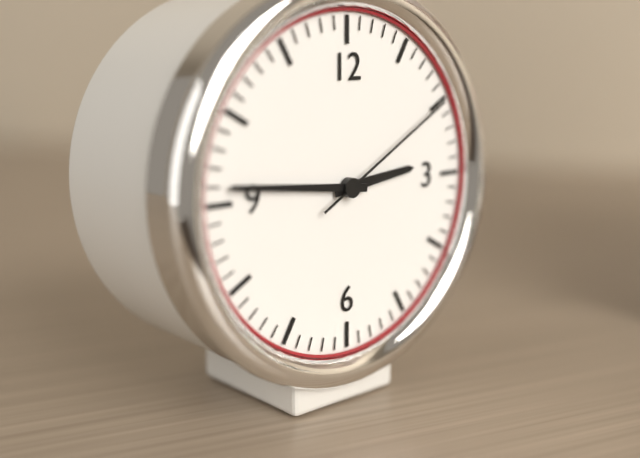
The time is **2:46:10**
